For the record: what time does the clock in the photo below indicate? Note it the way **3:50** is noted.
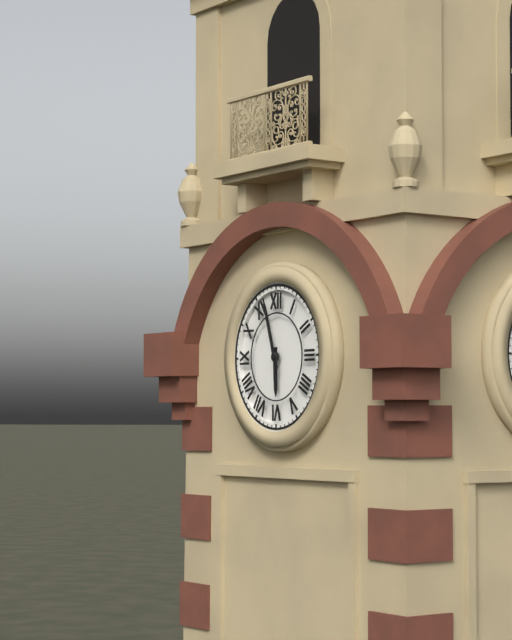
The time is **5:57**
